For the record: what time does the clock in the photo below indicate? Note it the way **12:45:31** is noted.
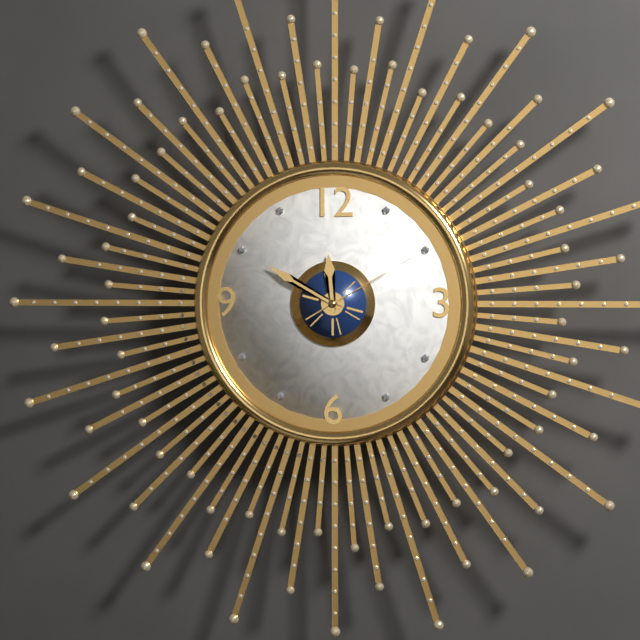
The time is **11:50:10**
